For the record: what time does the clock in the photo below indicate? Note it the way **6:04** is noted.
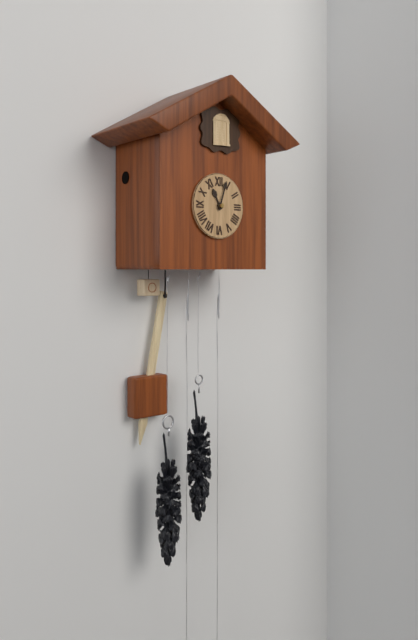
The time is **11:03**
